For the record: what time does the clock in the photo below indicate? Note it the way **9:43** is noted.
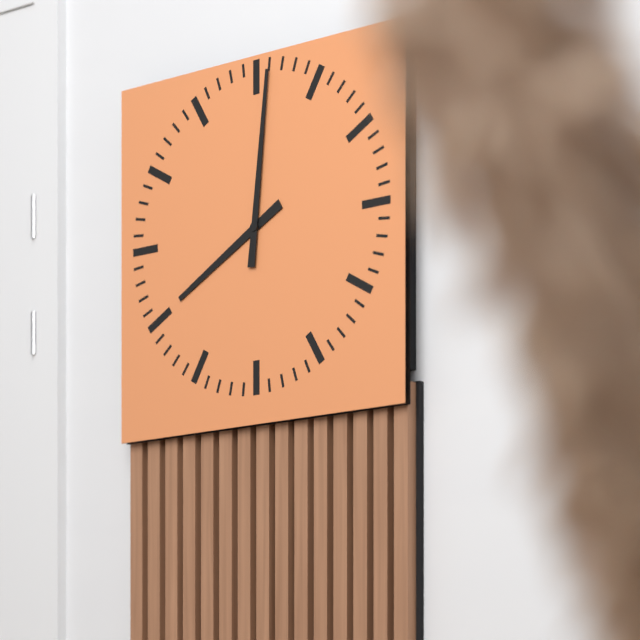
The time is **8:01**
